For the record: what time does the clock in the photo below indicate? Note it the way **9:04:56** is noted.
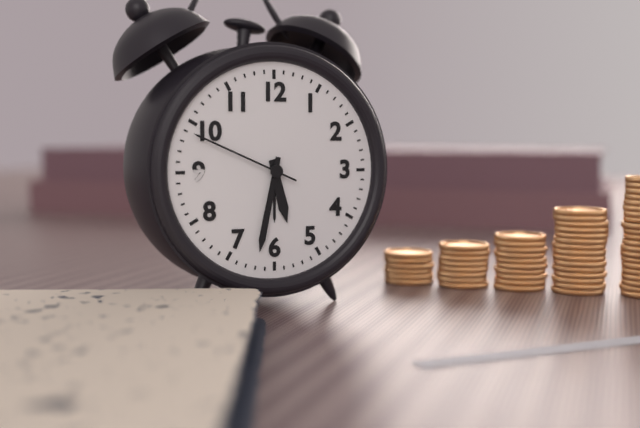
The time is **5:32:49**
